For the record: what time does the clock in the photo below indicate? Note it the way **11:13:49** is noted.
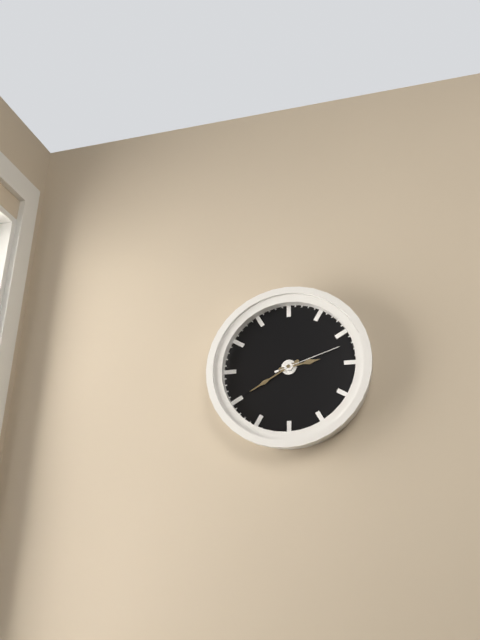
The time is **2:40:12**
